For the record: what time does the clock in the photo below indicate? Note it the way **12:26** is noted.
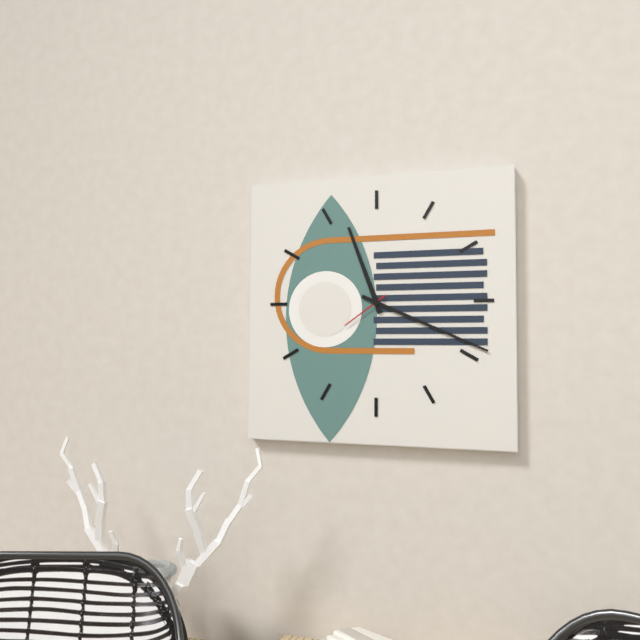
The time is **11:19**
